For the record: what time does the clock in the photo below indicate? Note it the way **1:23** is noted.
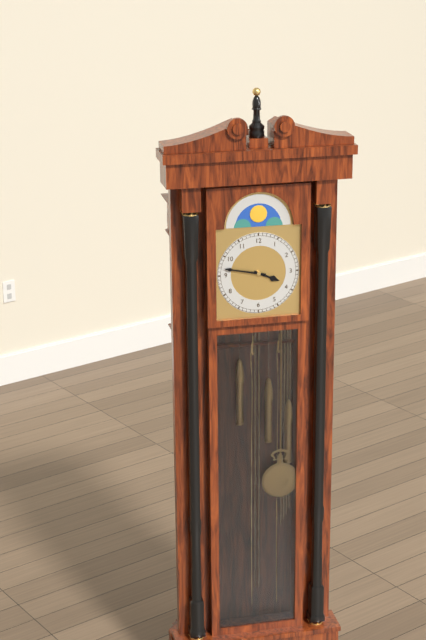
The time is **3:47**
